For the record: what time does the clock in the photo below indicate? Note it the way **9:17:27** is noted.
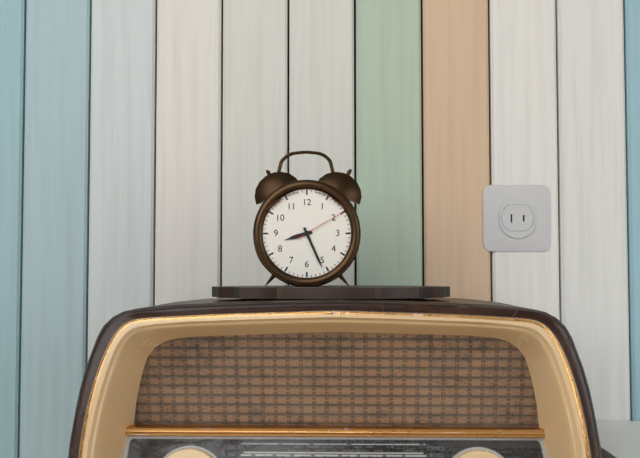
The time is **8:26:10**
